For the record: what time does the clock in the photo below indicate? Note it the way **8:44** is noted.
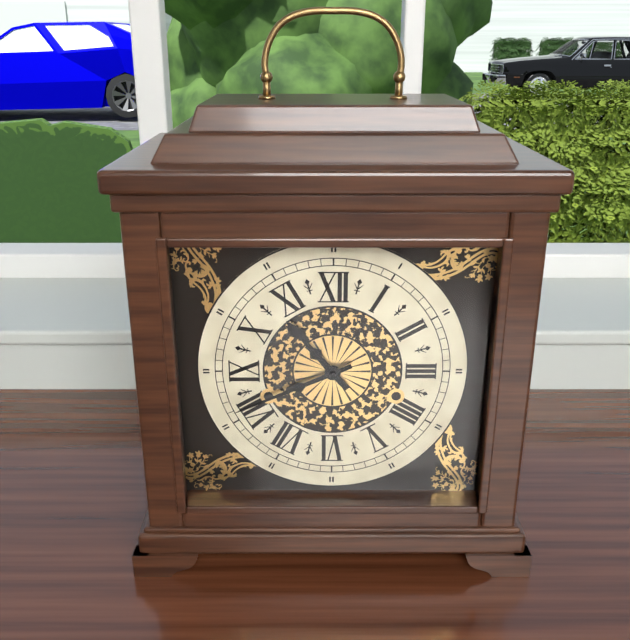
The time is **10:41**
